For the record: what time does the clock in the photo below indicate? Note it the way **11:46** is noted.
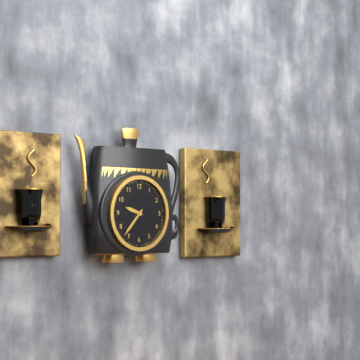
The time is **9:37**
